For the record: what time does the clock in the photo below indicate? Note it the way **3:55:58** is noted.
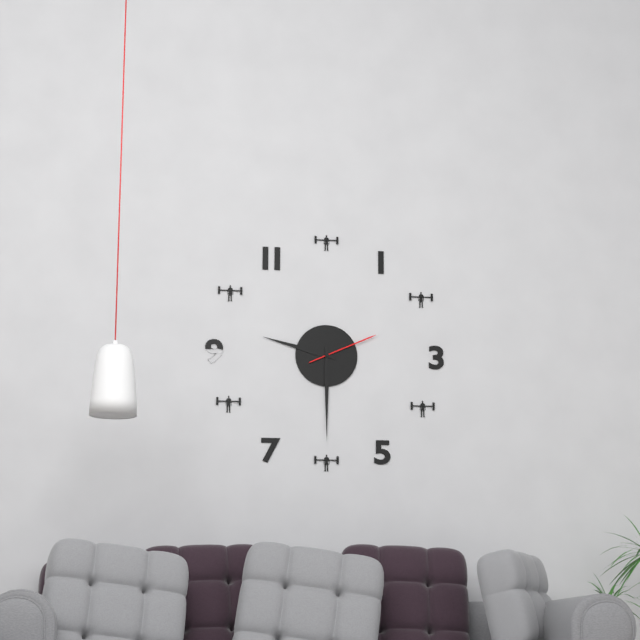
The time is **9:30:11**
